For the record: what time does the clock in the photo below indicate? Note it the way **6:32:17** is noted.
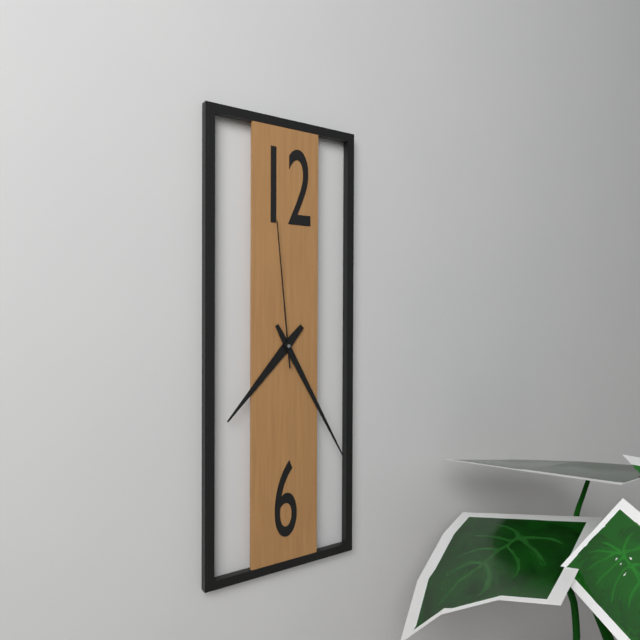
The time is **7:25:59**
